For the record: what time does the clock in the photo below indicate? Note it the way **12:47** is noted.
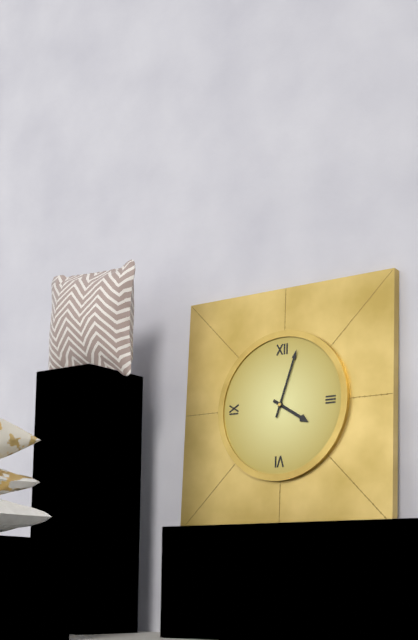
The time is **4:03**
